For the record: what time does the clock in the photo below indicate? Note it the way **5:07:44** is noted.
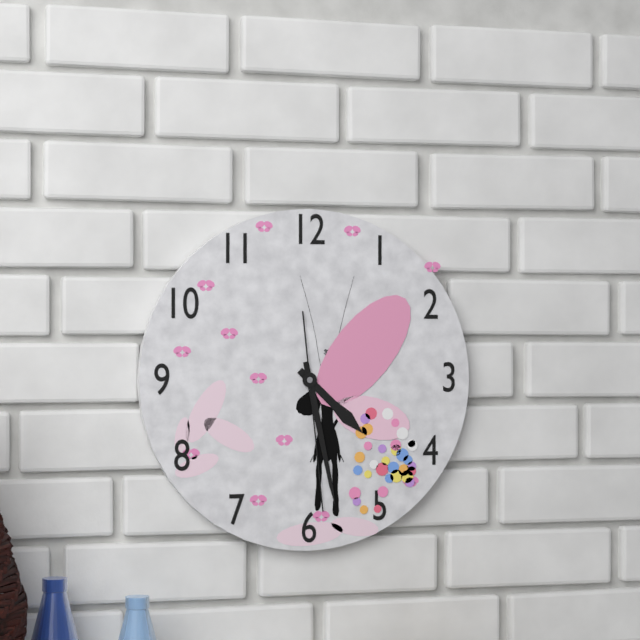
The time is **4:28:29**
